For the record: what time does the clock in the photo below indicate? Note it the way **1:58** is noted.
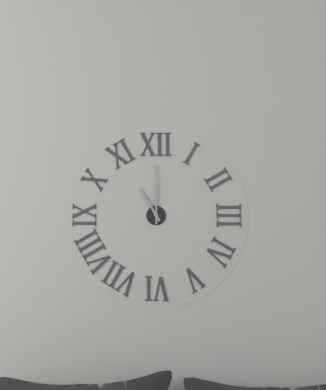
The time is **11:00**
